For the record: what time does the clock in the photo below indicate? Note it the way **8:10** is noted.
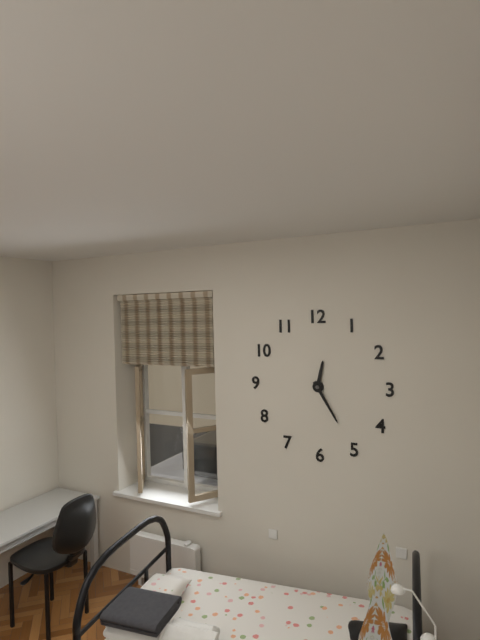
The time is **12:25**
